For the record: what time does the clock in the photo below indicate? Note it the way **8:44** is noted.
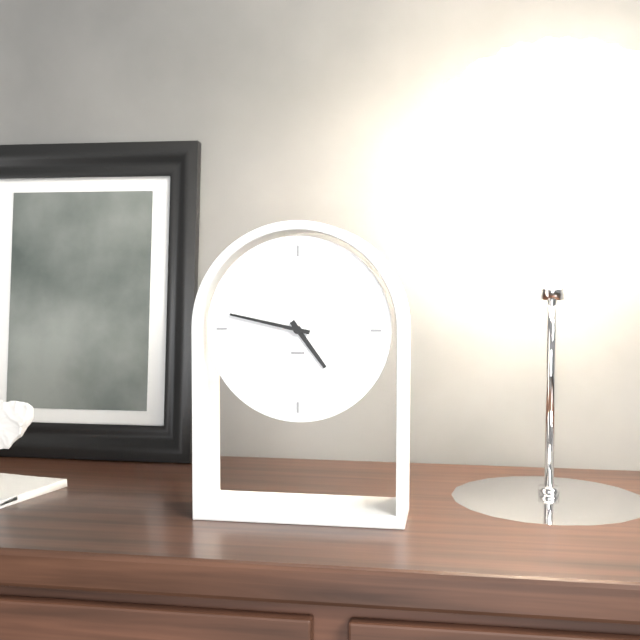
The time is **4:47**
